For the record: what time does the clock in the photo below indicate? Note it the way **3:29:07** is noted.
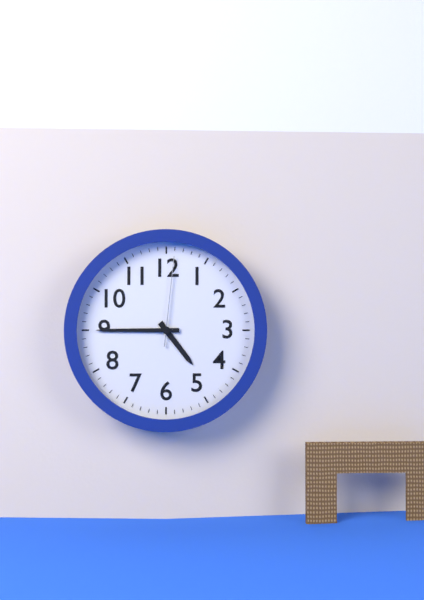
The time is **4:45:01**
